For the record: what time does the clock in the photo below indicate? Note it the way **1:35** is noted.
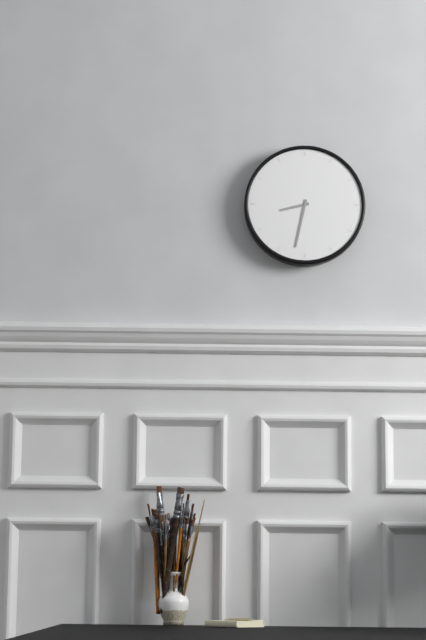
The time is **8:32**
